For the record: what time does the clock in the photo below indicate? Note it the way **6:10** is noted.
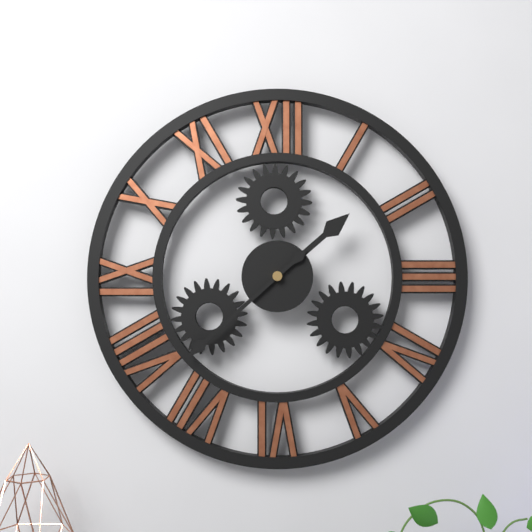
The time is **1:38**
